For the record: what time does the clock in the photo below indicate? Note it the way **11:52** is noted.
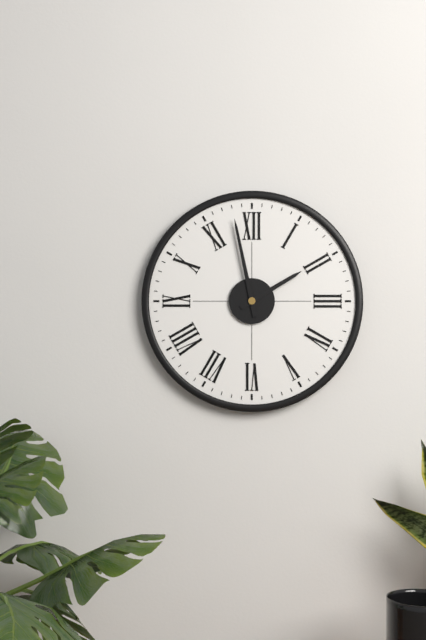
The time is **1:58**
